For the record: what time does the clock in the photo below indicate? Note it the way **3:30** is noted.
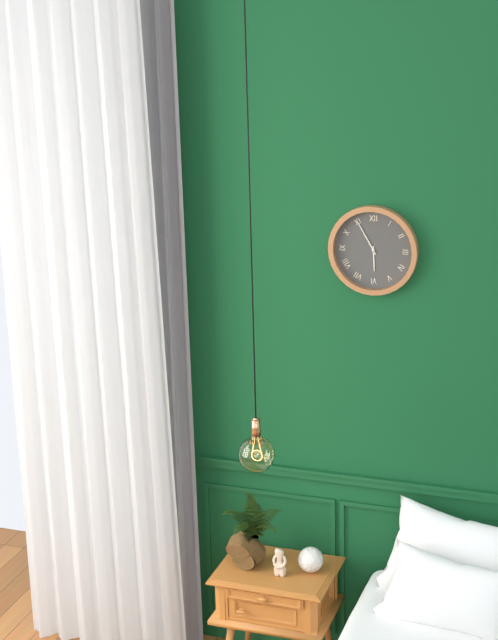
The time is **5:55**
